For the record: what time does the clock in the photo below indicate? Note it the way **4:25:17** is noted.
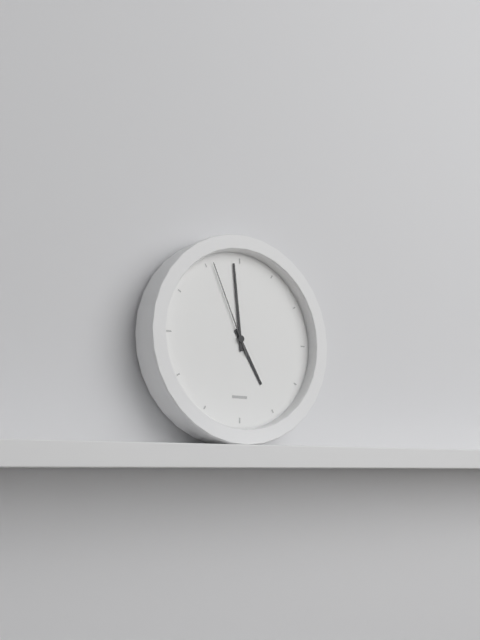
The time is **4:59:56**
